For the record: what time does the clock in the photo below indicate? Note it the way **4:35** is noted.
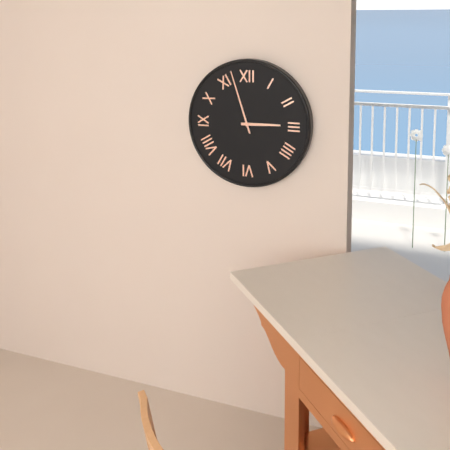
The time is **2:57**
